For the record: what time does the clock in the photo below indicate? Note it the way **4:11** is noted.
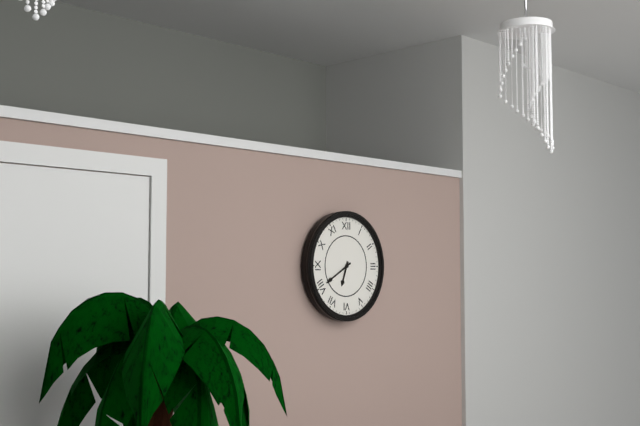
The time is **6:40**
